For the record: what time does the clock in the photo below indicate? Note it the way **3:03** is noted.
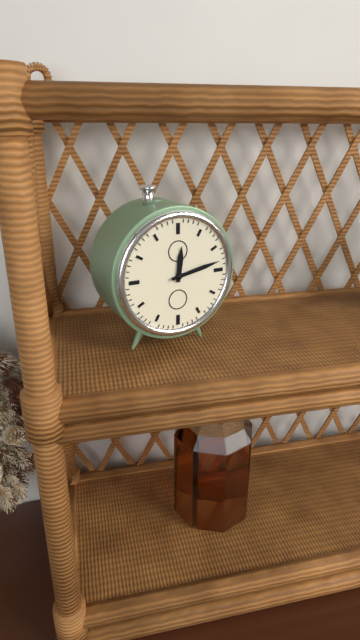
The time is **12:13**
